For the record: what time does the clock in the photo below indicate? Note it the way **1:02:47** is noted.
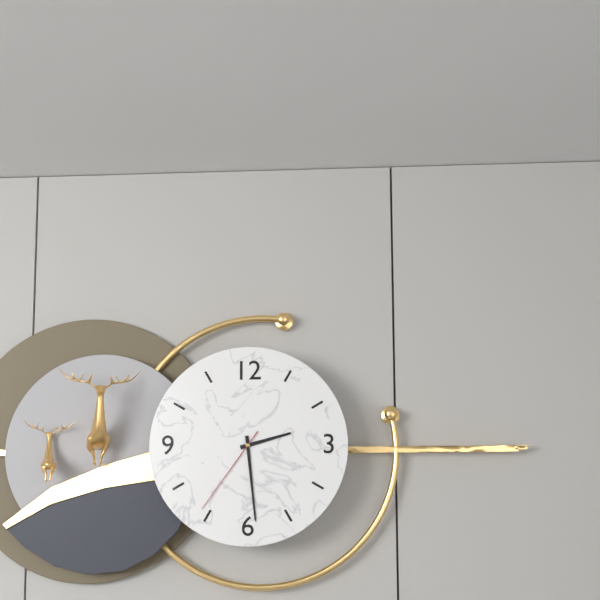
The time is **2:29:36**
